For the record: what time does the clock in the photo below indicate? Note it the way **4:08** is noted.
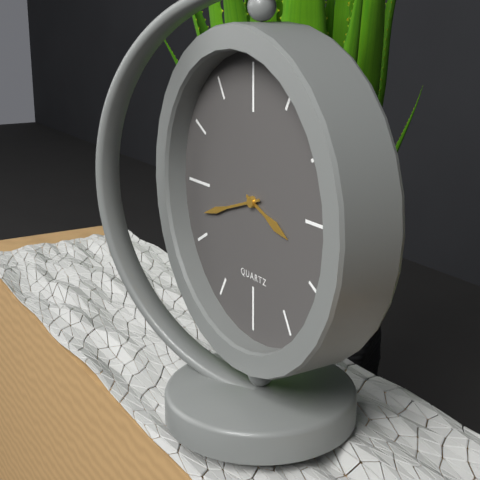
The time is **3:42**
